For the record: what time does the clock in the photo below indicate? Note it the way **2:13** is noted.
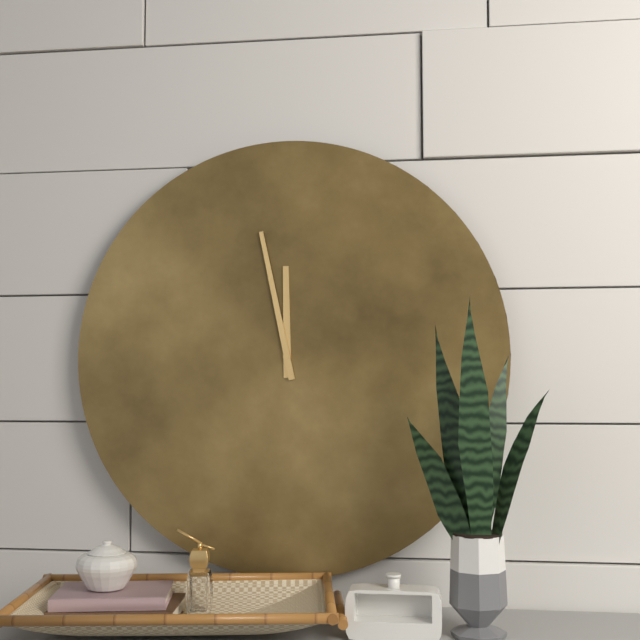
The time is **11:58**
